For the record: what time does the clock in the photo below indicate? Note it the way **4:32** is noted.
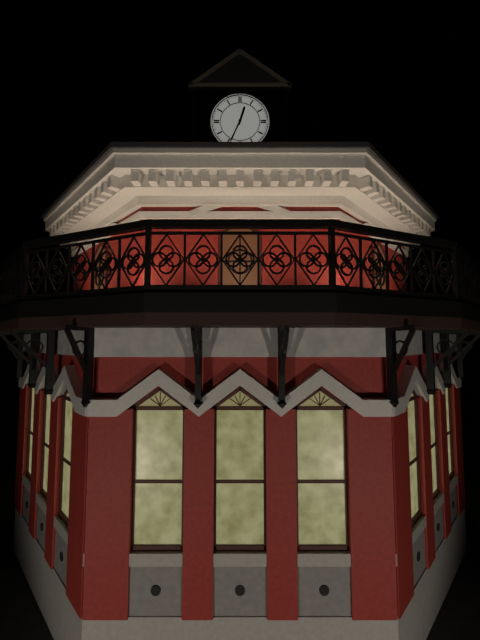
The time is **12:34**
